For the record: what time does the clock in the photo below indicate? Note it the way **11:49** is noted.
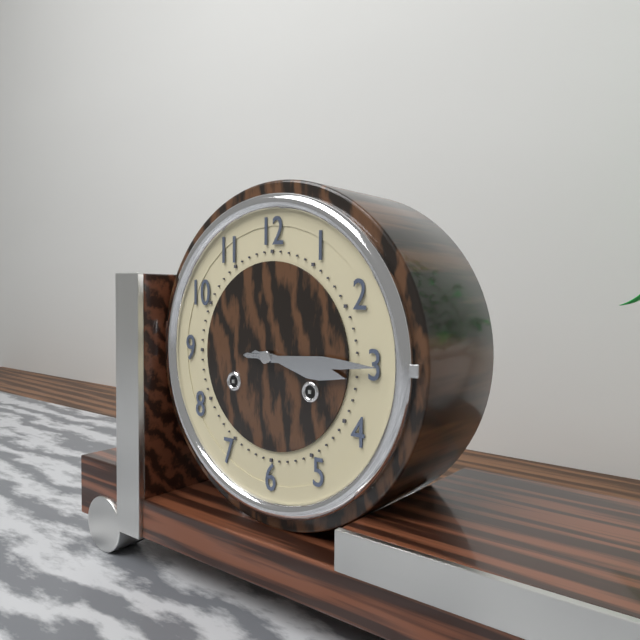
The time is **3:15**
